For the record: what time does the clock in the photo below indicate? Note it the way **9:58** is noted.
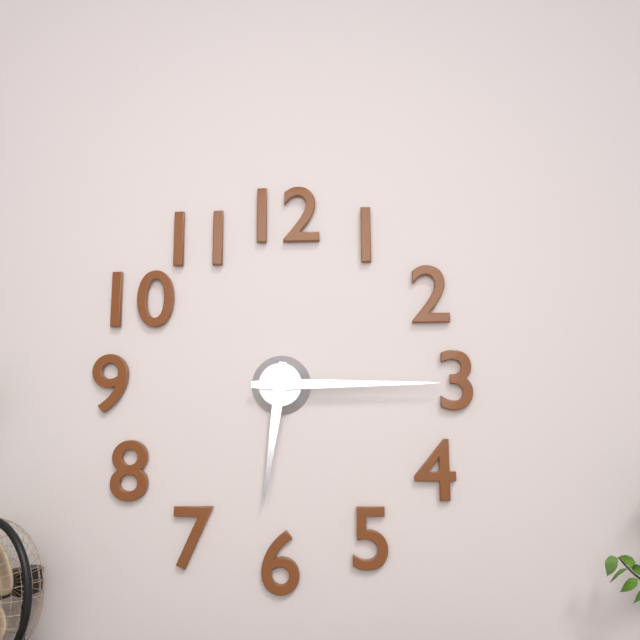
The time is **6:15**
